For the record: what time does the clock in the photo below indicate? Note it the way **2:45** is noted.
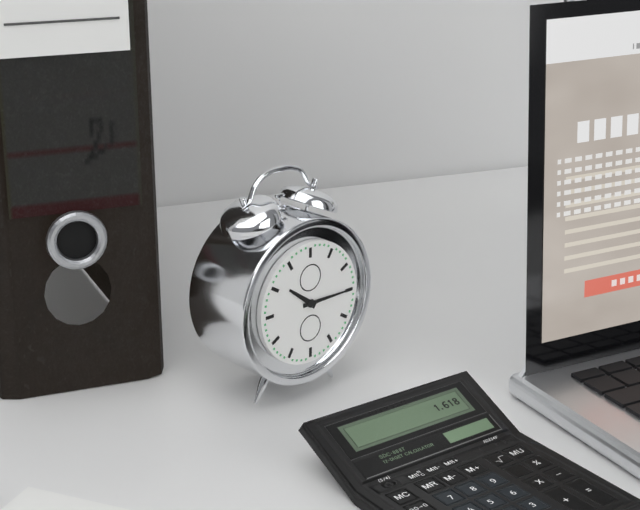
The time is **10:15**
